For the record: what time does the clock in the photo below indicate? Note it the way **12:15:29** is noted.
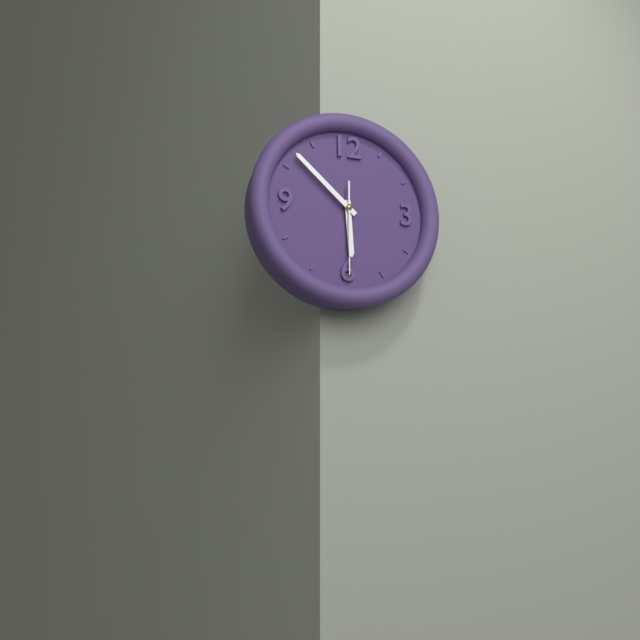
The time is **5:52:30**
